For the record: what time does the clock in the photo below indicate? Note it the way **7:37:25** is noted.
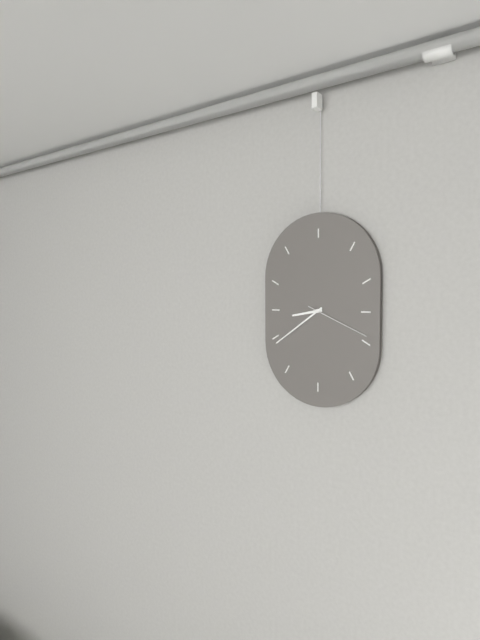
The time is **8:39:19**
